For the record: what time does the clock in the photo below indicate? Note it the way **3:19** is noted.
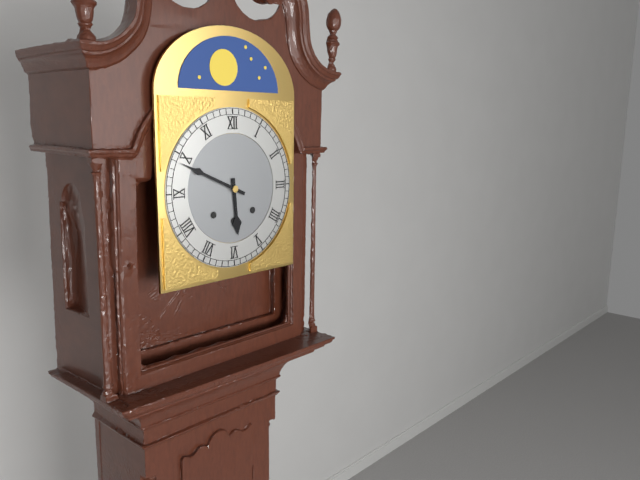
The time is **5:49**
